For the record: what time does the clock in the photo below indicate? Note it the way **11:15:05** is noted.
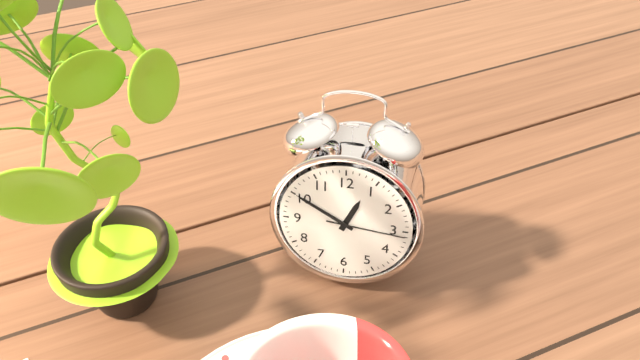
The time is **12:50:16**
